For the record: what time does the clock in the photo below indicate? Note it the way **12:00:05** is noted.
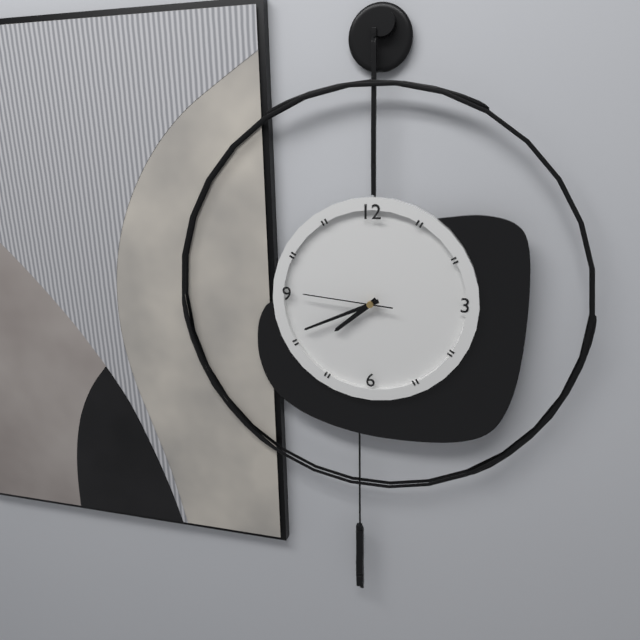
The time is **7:41:46**
